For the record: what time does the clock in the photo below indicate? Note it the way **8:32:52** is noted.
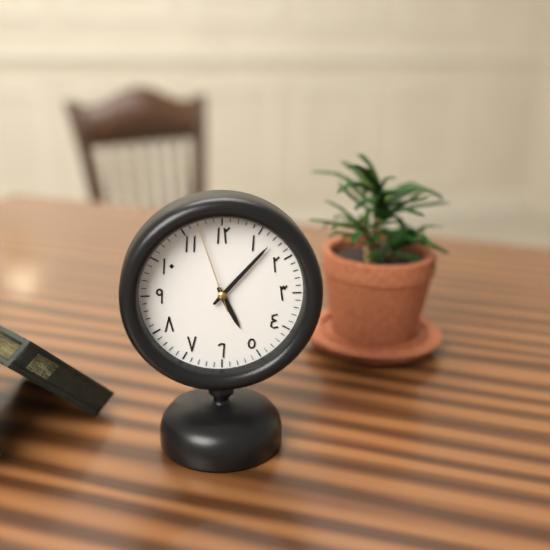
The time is **5:07:57**
